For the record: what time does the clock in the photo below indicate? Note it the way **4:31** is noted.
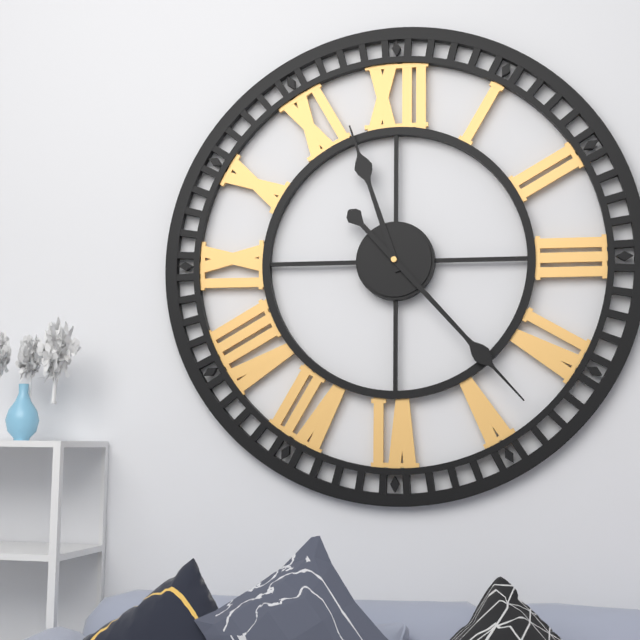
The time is **11:23**
